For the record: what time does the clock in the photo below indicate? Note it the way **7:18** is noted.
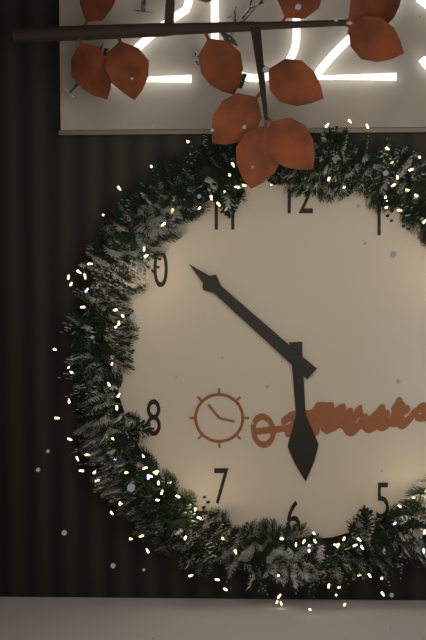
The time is **5:52**
